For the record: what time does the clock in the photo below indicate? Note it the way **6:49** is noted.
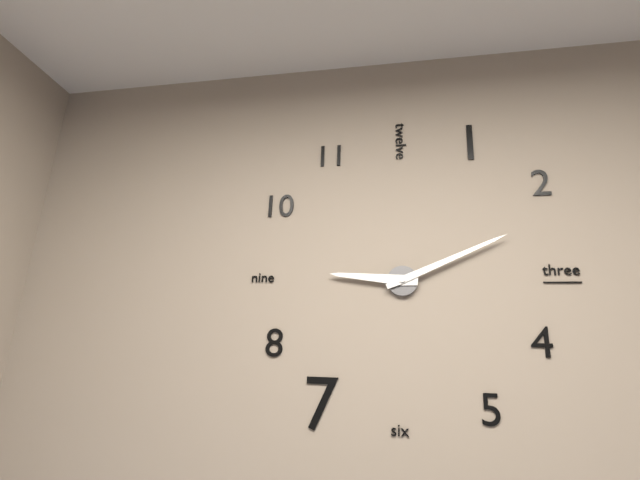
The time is **9:11**
